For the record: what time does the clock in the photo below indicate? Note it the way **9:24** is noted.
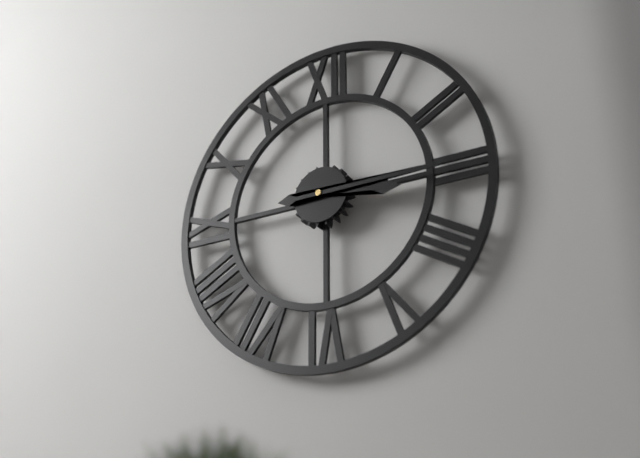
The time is **3:15**
